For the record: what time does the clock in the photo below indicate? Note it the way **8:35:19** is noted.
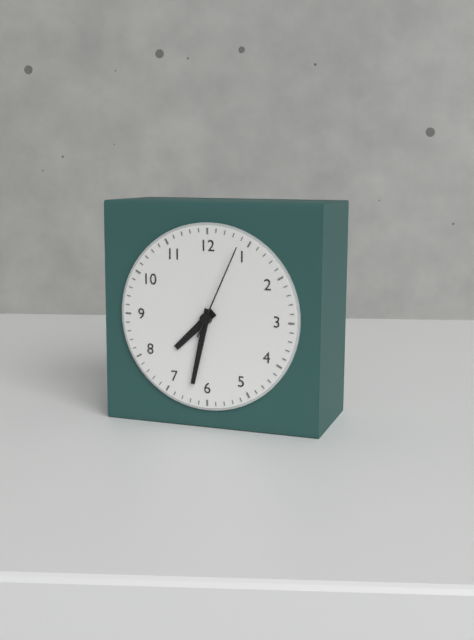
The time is **7:32:04**
